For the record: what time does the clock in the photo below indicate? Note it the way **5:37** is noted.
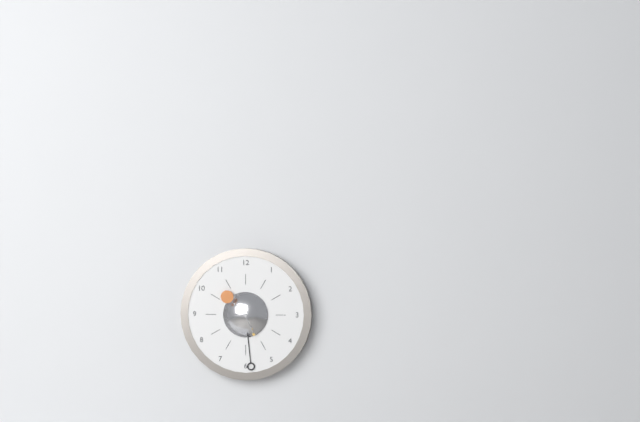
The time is **10:29**
